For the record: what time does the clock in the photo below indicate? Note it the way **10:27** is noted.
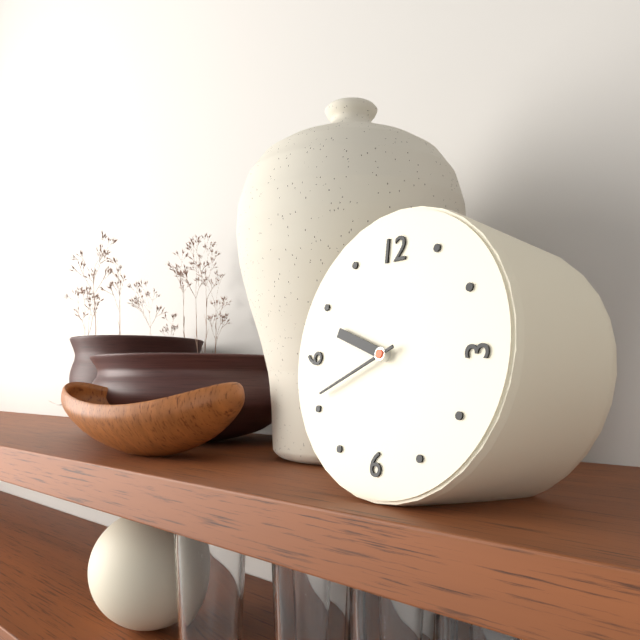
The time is **9:41**
